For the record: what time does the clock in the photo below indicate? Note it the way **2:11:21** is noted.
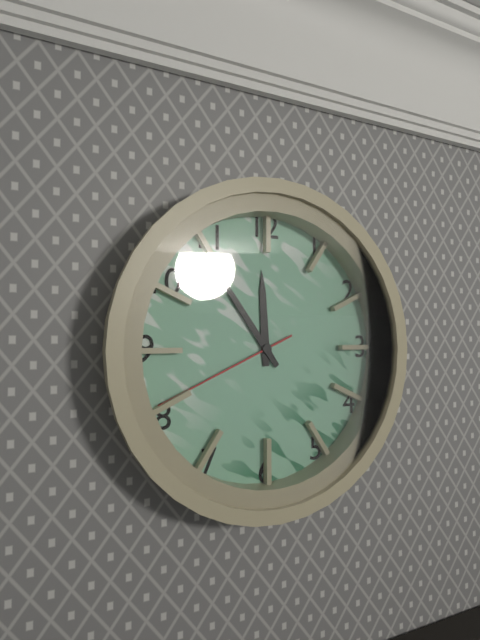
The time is **11:54:41**
